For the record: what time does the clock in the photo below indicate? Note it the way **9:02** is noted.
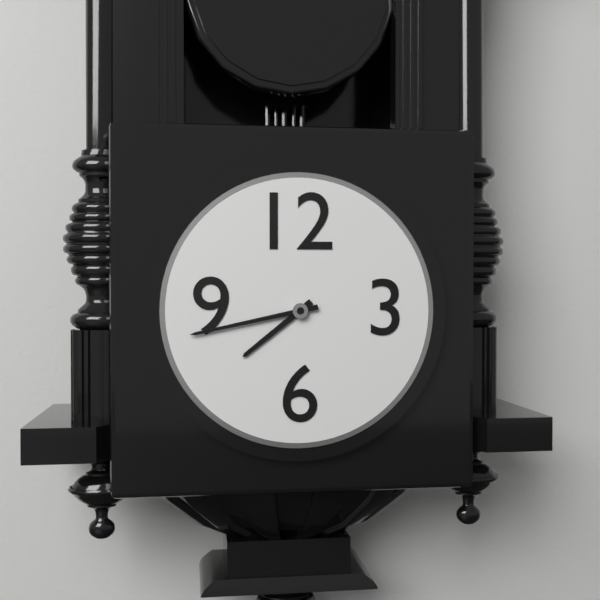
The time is **7:43**
